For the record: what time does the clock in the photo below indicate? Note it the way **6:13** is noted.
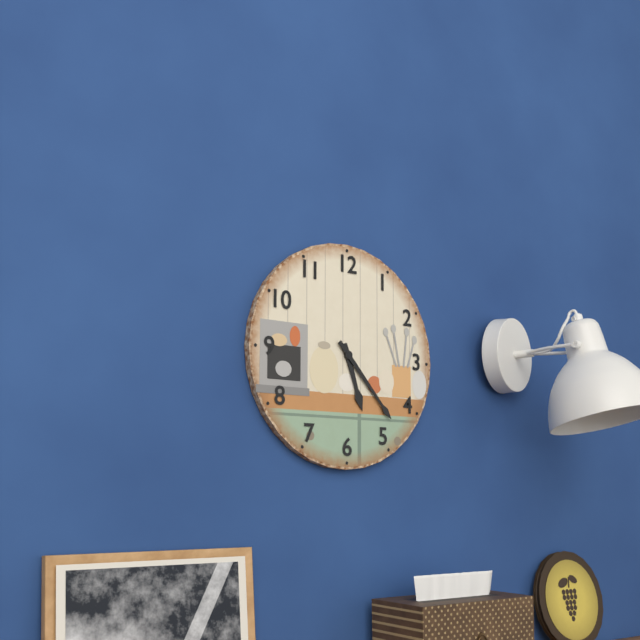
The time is **5:23**
